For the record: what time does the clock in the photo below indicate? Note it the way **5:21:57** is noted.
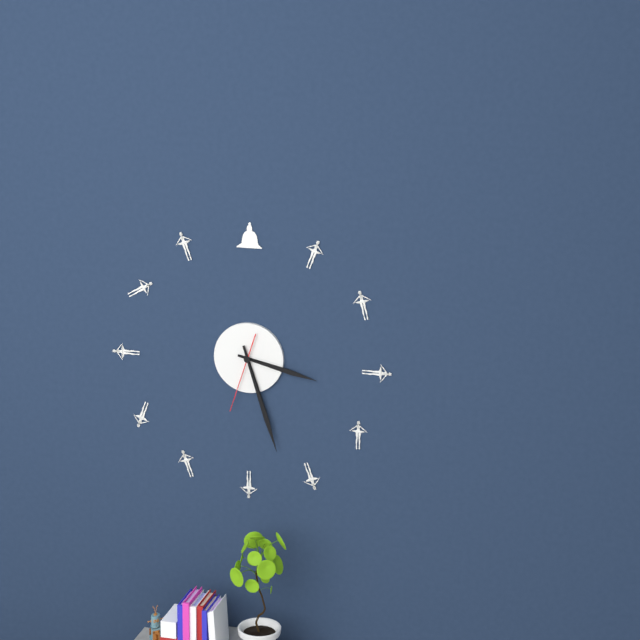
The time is **3:27:33**
